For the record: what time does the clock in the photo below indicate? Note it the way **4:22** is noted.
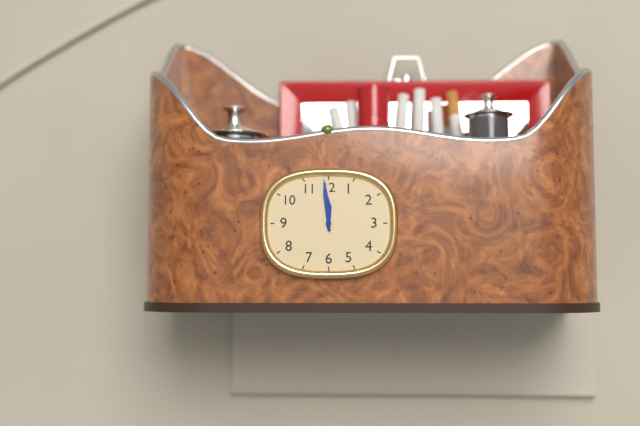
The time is **11:59**
